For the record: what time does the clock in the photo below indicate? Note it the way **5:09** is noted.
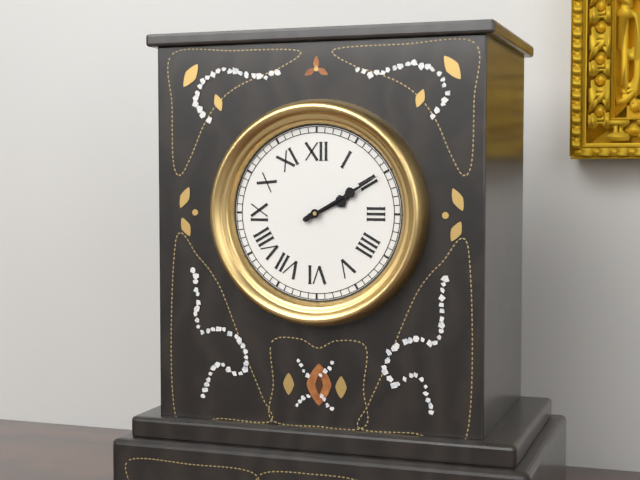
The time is **2:10**
